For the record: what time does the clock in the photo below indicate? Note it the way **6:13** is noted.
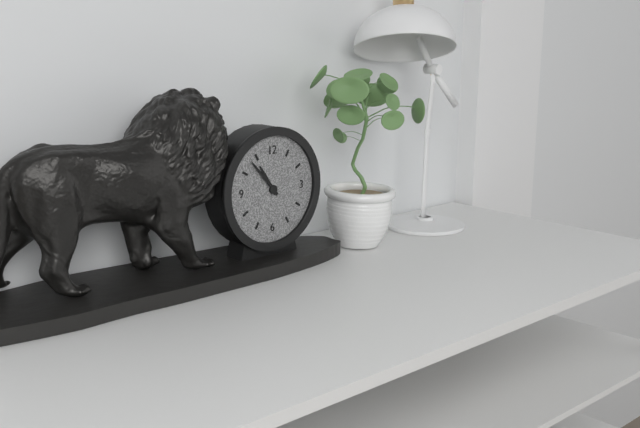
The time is **10:53**
